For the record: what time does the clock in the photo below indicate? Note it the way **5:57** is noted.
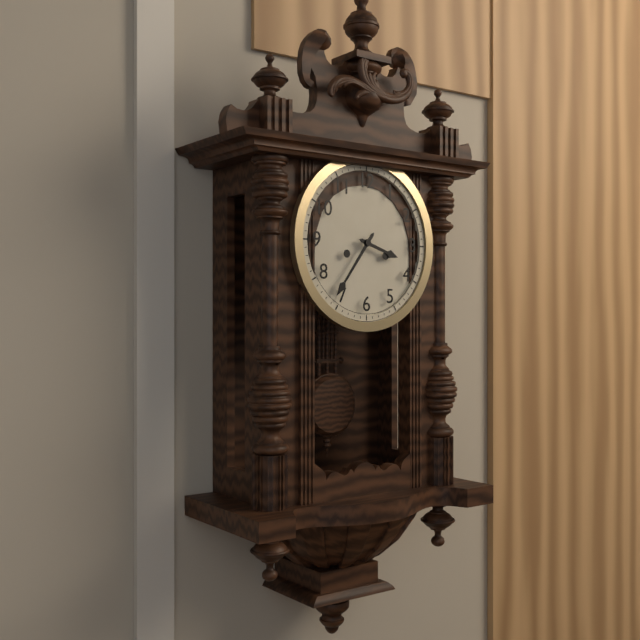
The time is **3:36**
